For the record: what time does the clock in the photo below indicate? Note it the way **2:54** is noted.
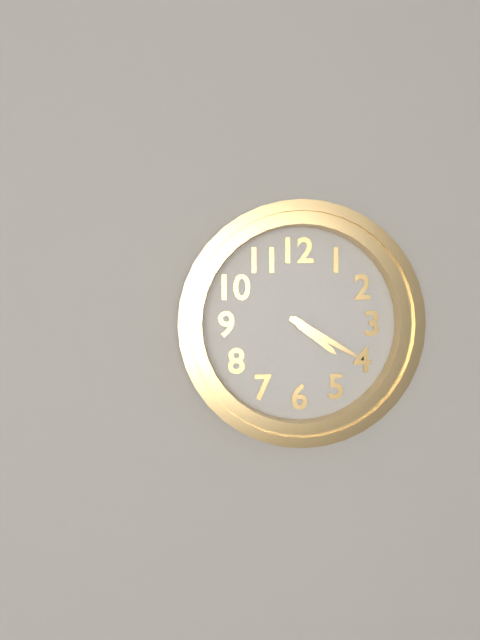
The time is **4:20**
